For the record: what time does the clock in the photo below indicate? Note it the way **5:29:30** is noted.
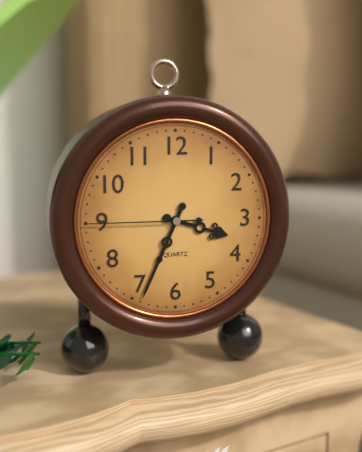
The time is **3:34:45**
